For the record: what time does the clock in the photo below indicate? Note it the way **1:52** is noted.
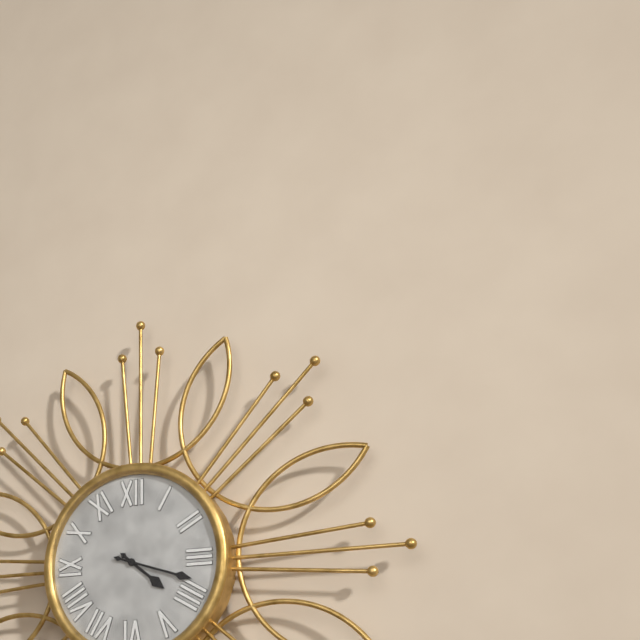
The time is **4:18**
